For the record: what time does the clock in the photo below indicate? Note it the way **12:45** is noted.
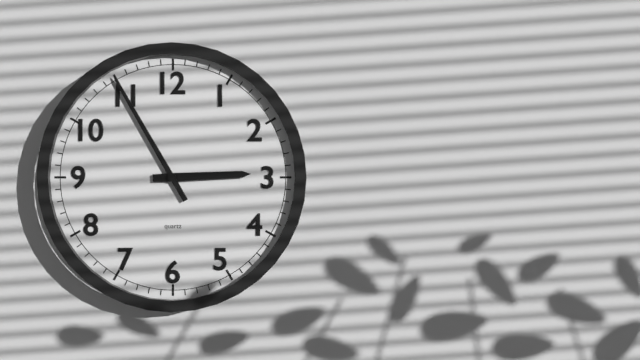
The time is **2:55**
